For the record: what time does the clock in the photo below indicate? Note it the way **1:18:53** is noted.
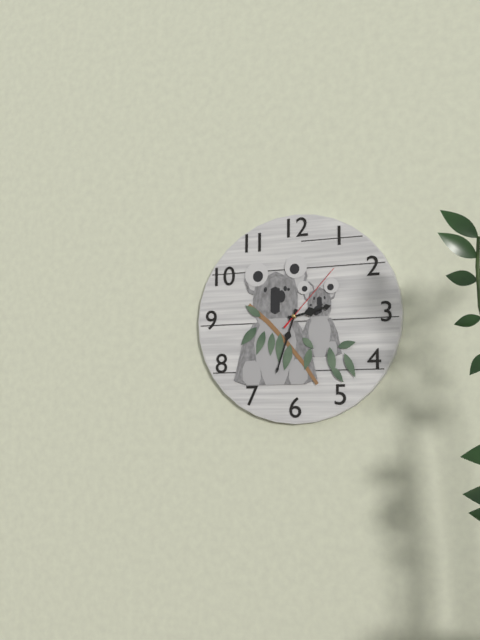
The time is **2:33:07**
